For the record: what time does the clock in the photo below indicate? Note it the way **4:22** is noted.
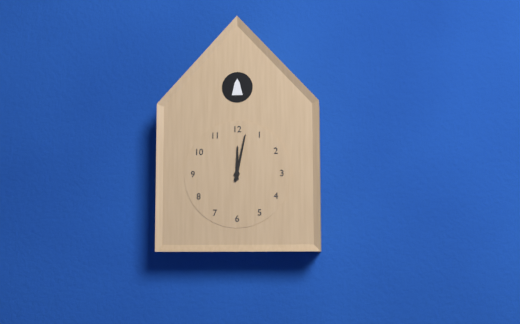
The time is **12:02**
